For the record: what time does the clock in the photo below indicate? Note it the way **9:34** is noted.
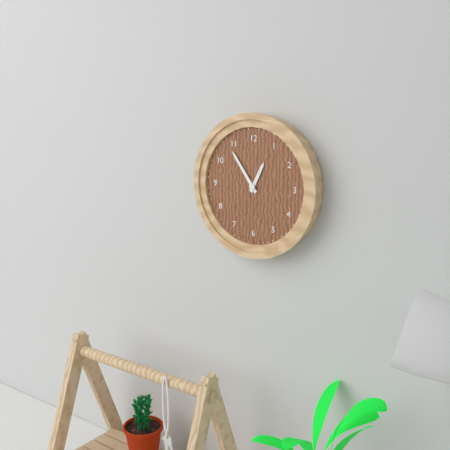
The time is **12:54**
